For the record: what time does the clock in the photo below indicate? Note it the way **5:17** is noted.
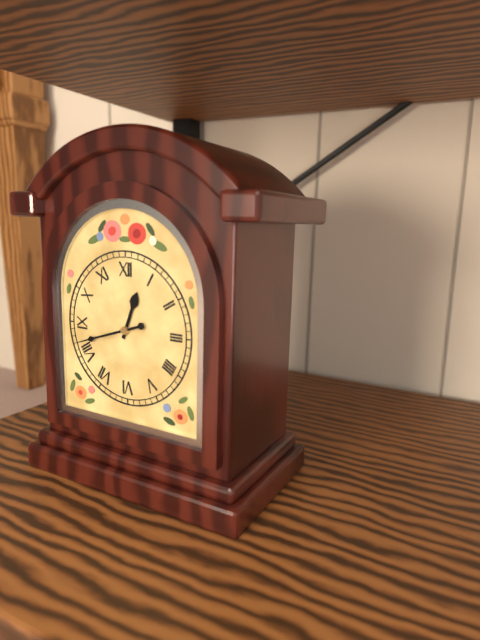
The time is **12:42**
